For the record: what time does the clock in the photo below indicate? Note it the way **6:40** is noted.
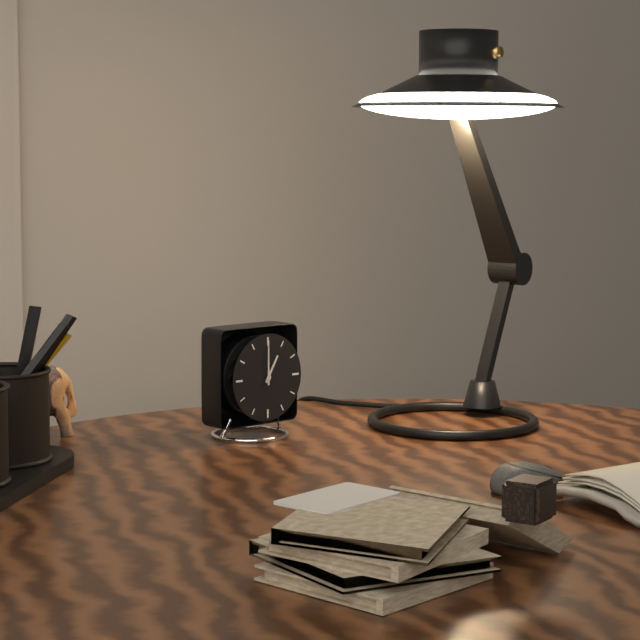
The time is **1:00**
